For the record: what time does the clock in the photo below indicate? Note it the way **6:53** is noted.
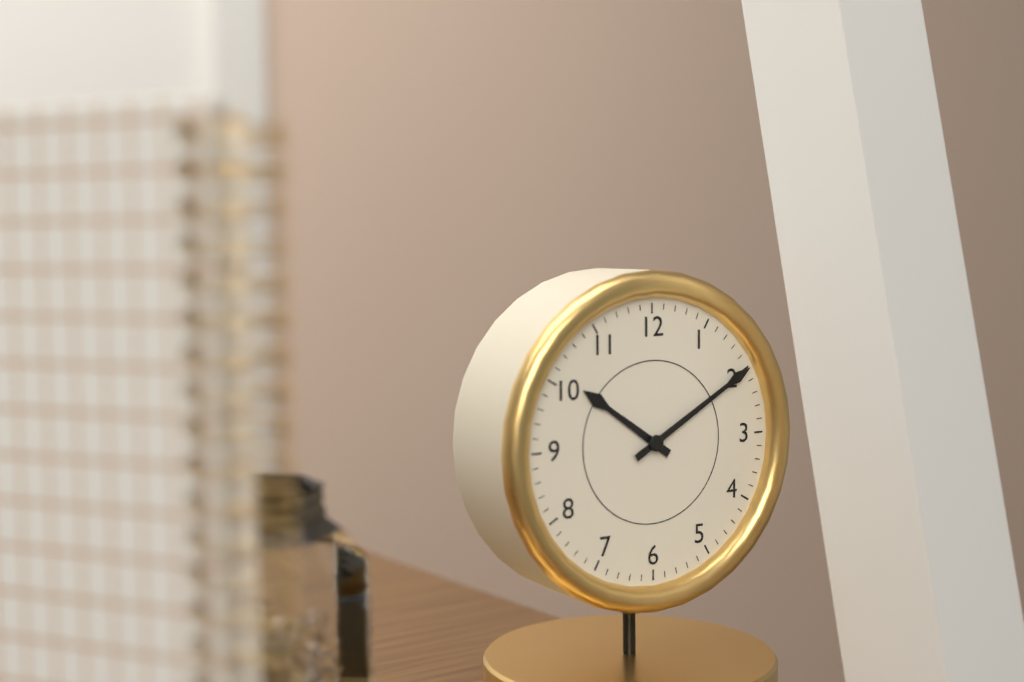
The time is **10:10**
